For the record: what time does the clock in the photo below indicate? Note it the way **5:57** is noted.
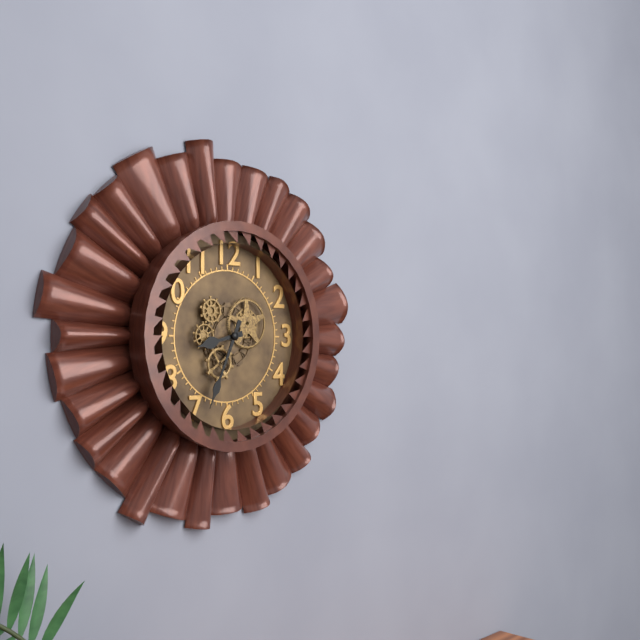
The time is **8:34**
